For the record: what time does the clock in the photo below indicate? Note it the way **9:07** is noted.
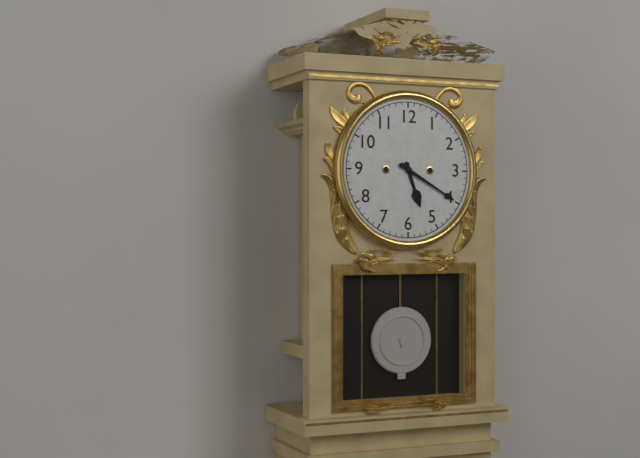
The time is **5:20**
